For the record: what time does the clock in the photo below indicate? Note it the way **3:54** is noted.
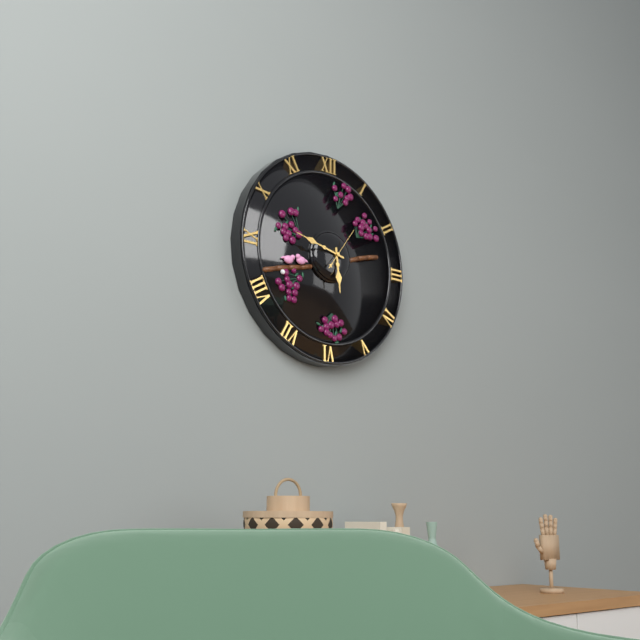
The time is **5:47**
